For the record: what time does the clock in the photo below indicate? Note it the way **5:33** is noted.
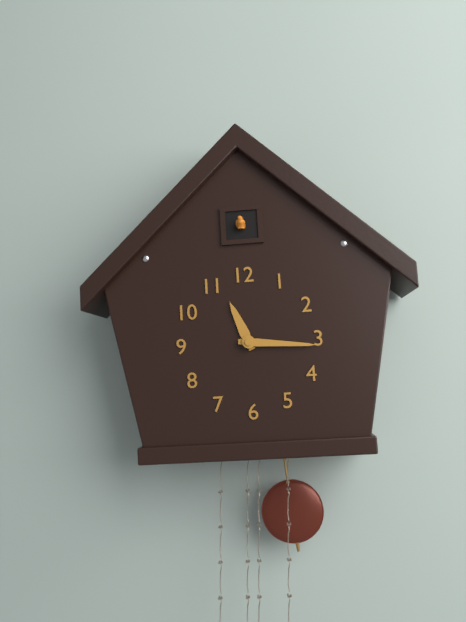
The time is **11:16**
